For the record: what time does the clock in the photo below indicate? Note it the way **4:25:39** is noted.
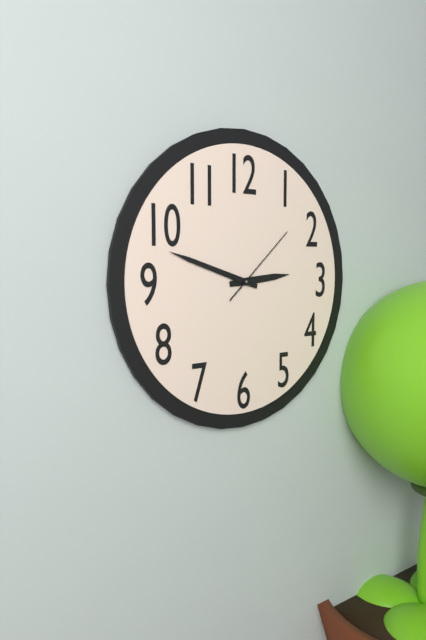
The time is **2:48:08**
